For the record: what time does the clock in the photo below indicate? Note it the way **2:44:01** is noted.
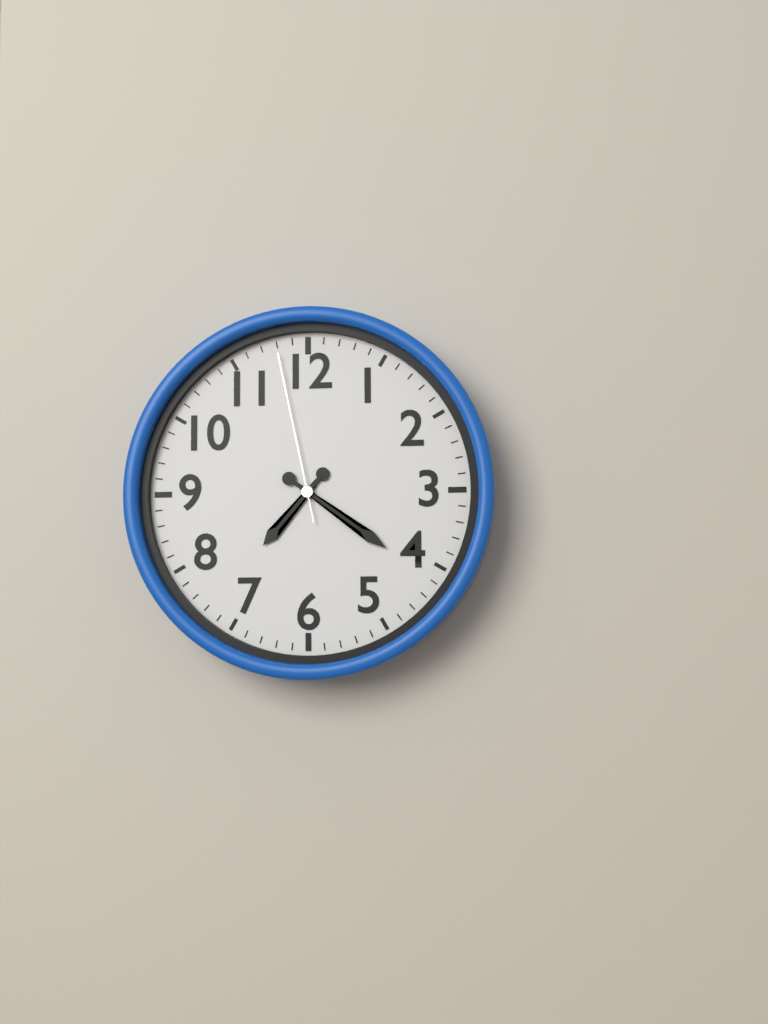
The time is **7:21:58**
